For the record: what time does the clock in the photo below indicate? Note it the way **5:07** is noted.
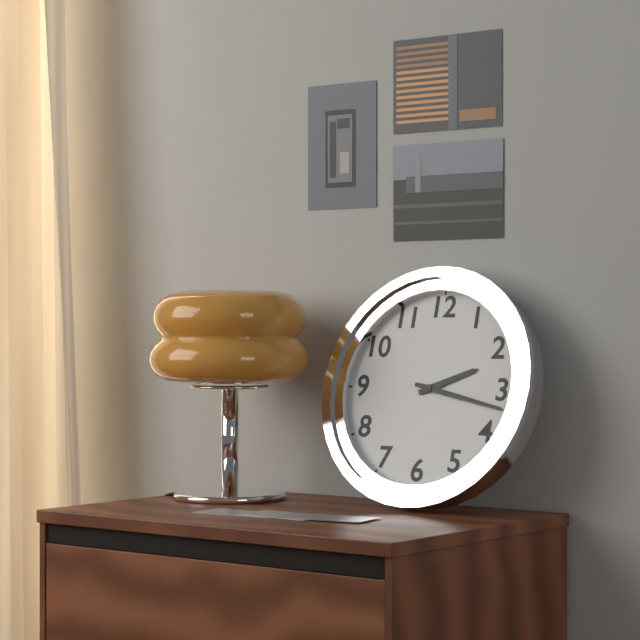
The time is **2:17**
